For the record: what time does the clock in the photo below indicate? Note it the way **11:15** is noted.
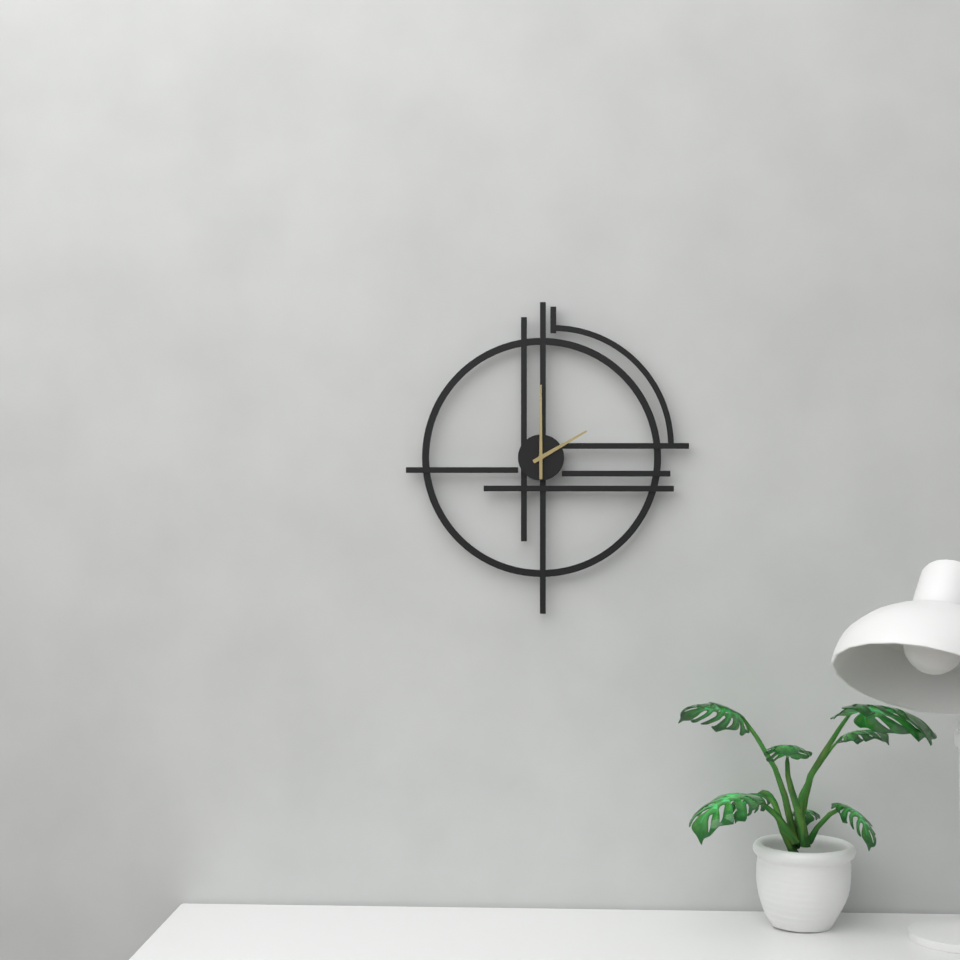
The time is **2:00**
